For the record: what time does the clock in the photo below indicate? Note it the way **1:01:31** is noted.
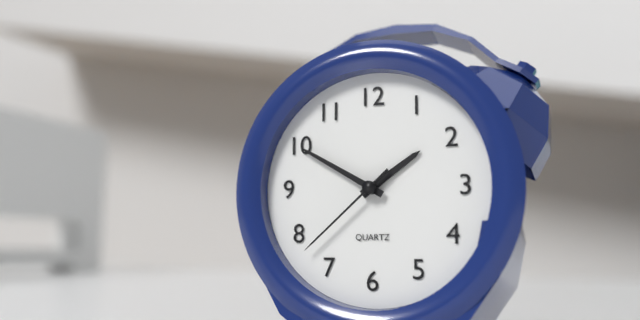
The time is **1:50:38**
